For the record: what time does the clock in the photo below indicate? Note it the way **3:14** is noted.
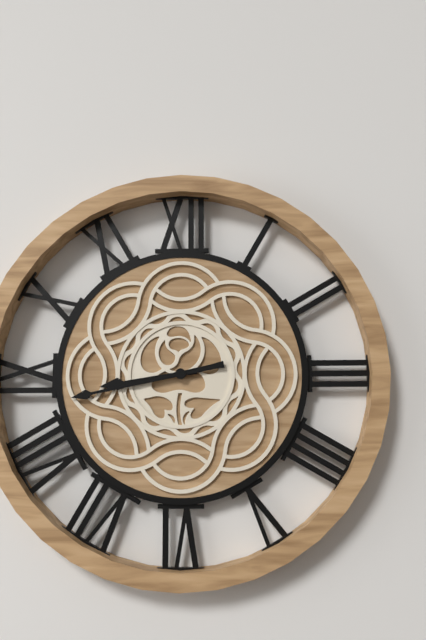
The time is **8:43**
